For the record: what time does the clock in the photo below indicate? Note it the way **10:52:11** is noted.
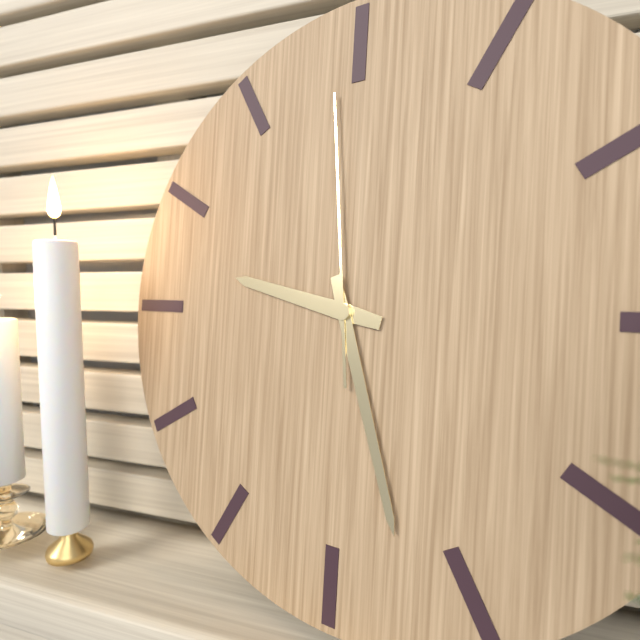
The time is **9:27:59**
